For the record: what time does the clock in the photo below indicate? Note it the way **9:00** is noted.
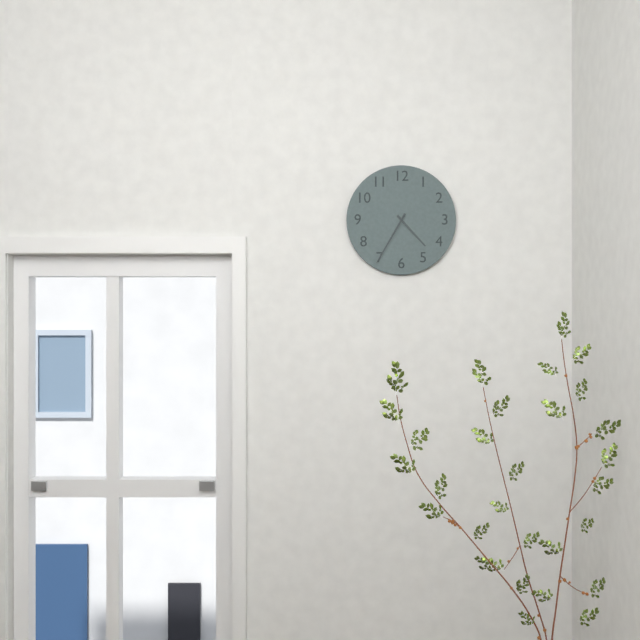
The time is **4:35**
